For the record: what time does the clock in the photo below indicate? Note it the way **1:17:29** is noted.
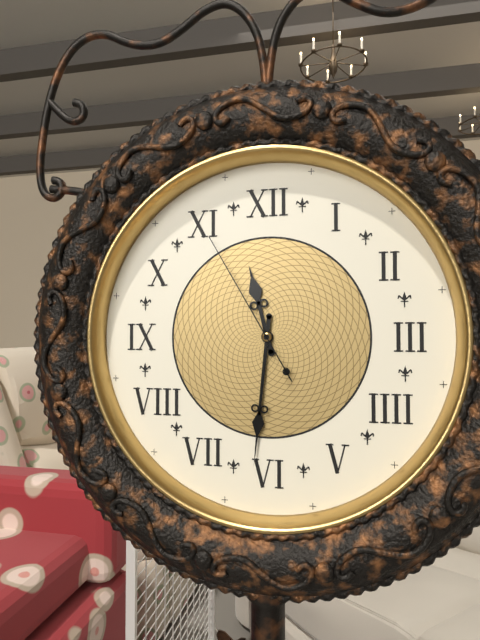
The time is **11:31:55**
